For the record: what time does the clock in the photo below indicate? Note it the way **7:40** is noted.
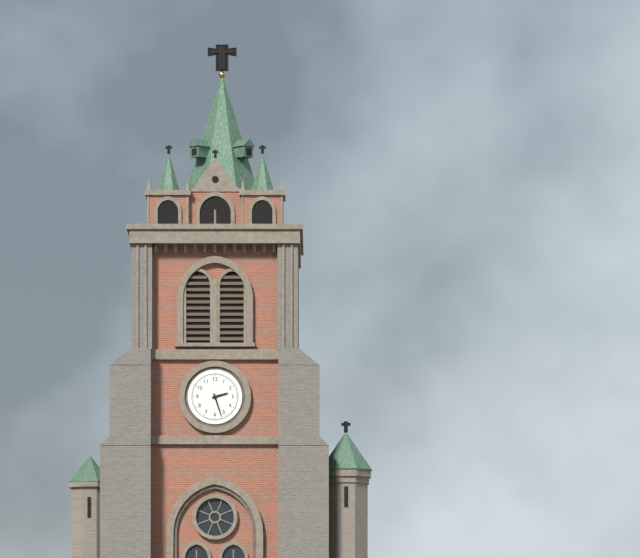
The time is **2:27**
